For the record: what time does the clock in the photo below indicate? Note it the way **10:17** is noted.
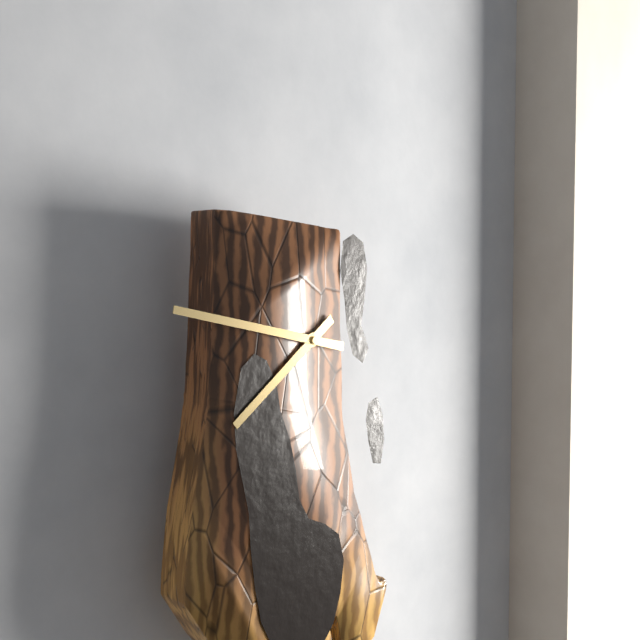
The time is **7:47**
